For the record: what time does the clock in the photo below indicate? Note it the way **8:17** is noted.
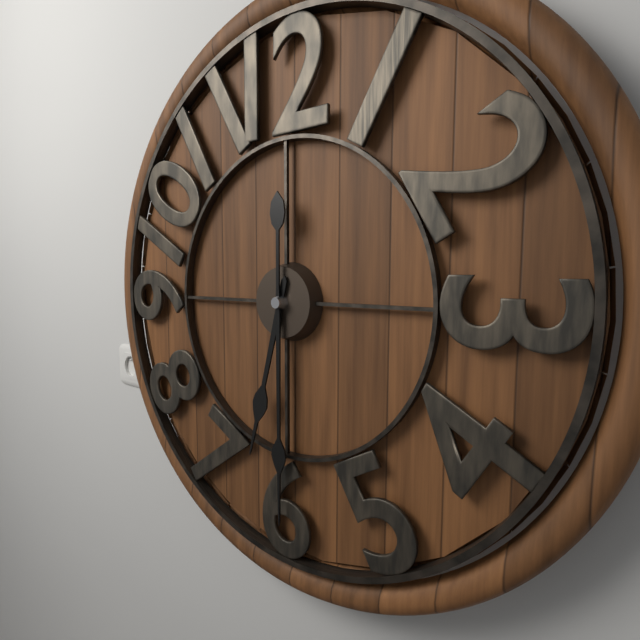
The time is **6:30**
